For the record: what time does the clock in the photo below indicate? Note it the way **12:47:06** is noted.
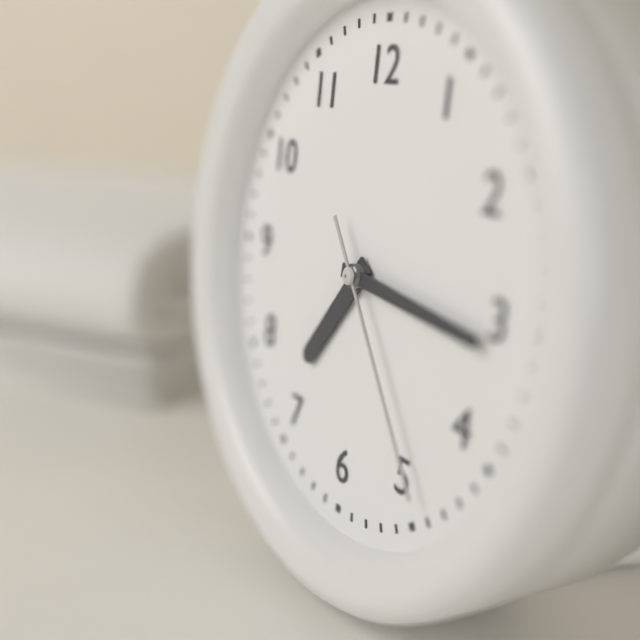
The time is **7:16:24**
